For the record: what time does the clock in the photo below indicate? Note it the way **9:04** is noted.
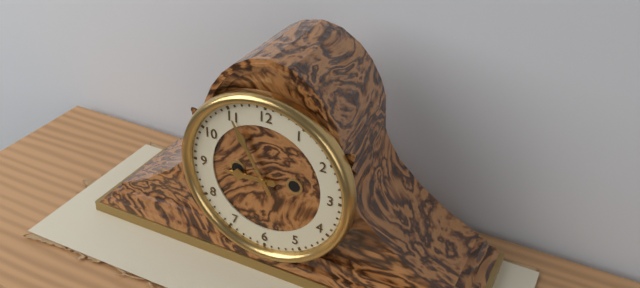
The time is **8:55**
